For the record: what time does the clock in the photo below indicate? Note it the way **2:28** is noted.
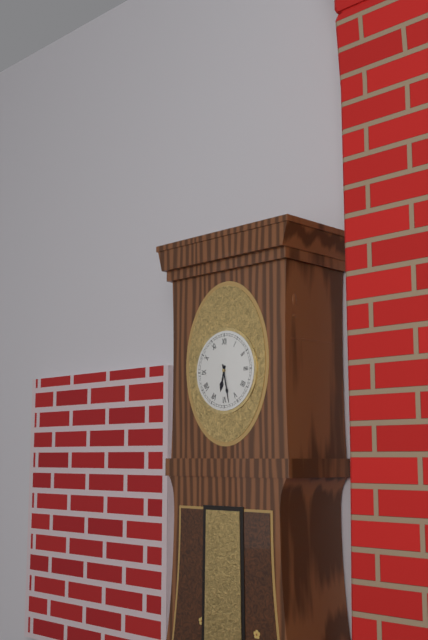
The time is **6:28**
